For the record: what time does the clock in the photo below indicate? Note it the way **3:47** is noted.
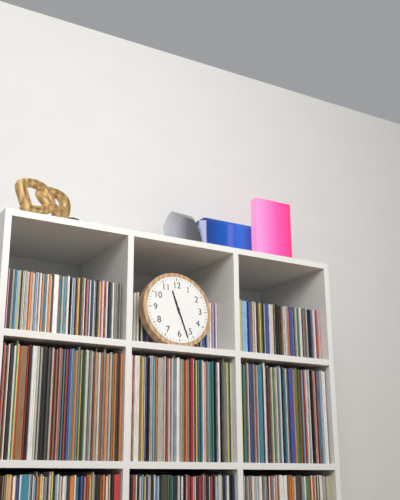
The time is **11:27**
